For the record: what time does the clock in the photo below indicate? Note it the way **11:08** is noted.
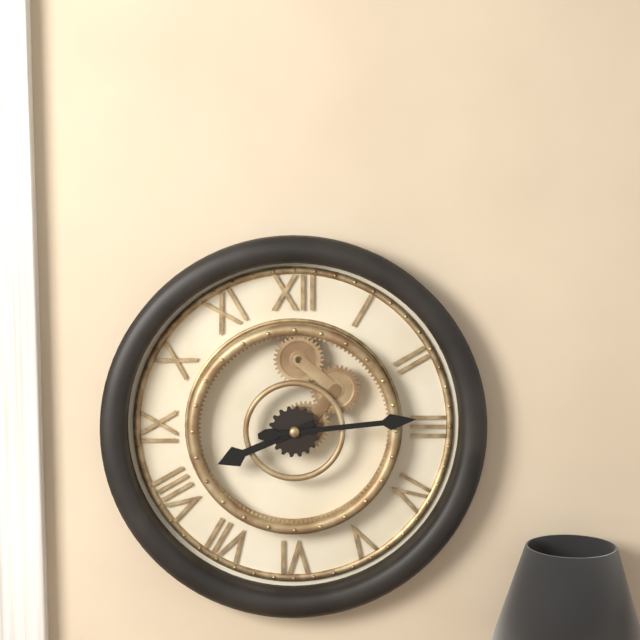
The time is **8:14**
